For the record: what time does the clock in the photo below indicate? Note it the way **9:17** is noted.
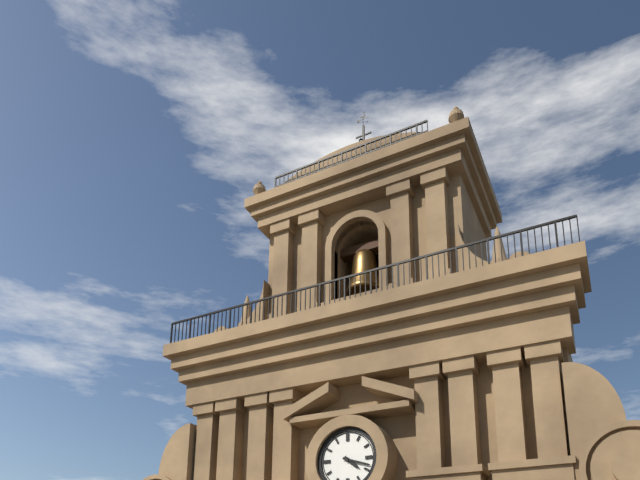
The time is **4:18**
